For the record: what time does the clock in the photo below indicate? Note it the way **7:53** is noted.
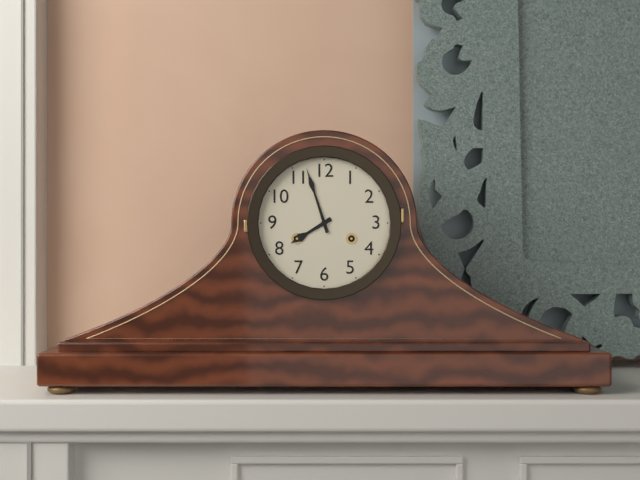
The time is **7:57**
